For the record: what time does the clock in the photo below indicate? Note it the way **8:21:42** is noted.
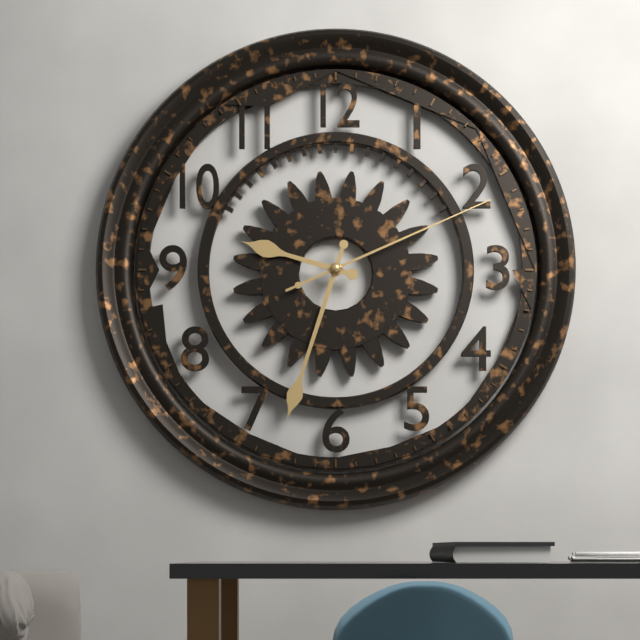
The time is **9:33:11**
